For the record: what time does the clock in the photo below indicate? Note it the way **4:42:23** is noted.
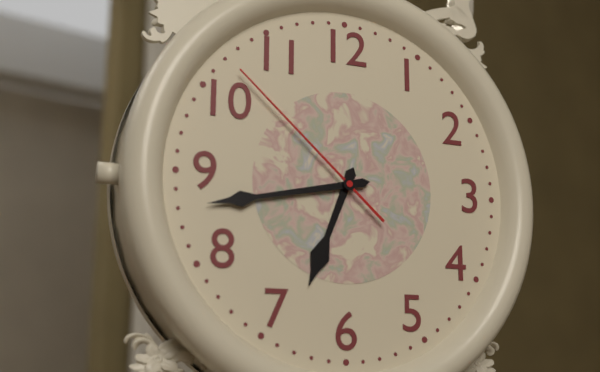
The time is **6:43:52**
